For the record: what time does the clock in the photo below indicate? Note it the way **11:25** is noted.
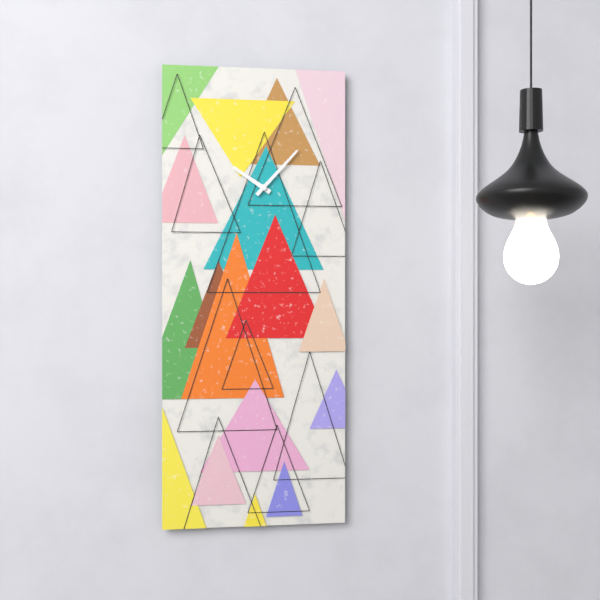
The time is **10:07**
